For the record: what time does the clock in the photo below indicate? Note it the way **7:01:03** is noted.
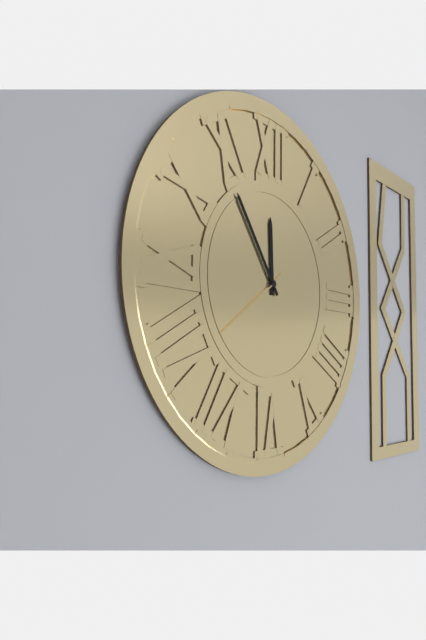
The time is **11:54:39**
